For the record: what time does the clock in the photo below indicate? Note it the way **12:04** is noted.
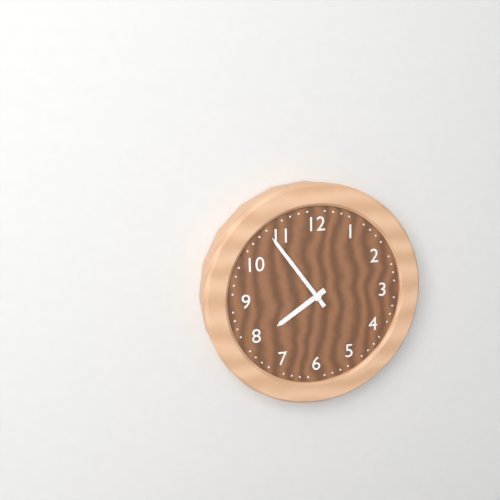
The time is **7:54**
